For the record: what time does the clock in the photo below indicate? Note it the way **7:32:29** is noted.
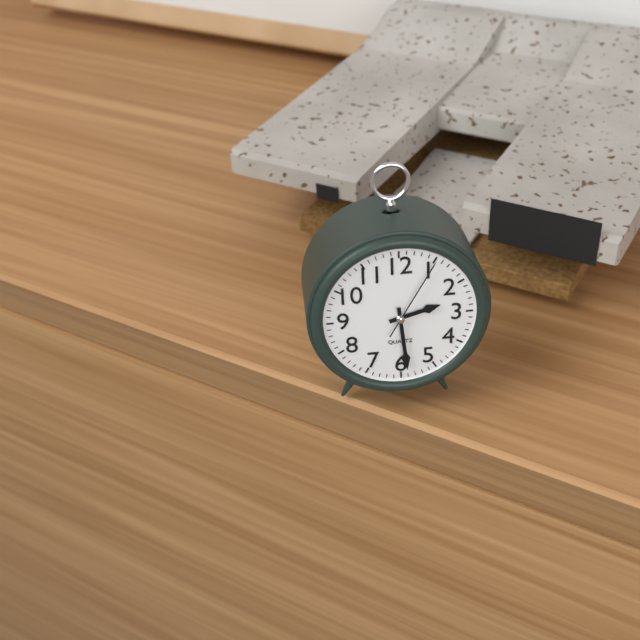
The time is **2:29:05**
